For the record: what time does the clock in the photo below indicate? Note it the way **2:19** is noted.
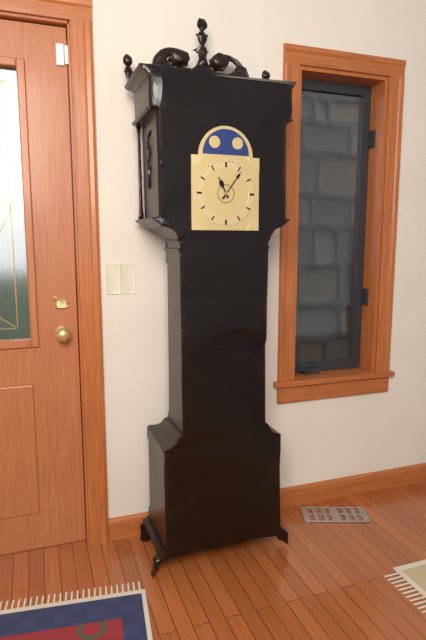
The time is **11:06**
